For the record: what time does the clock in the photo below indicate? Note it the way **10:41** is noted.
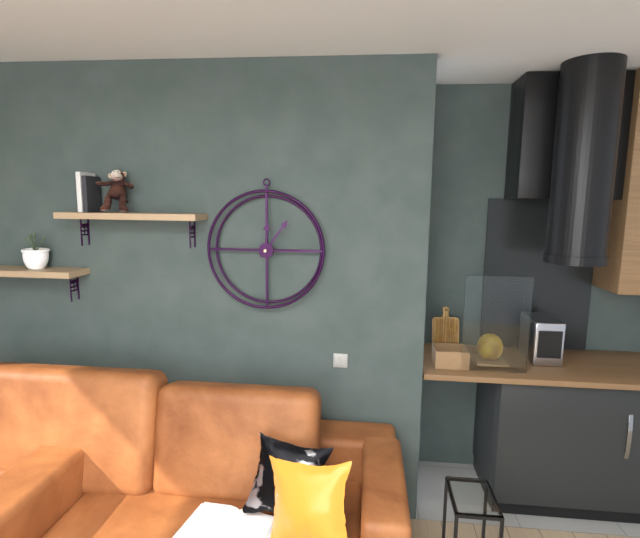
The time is **12:06**
